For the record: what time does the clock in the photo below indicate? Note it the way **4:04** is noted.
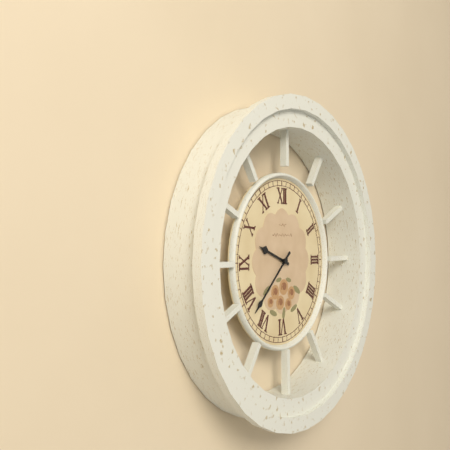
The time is **9:38**
